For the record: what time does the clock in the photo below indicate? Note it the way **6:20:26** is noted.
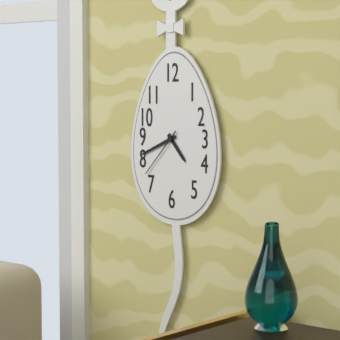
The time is **4:41:37**
